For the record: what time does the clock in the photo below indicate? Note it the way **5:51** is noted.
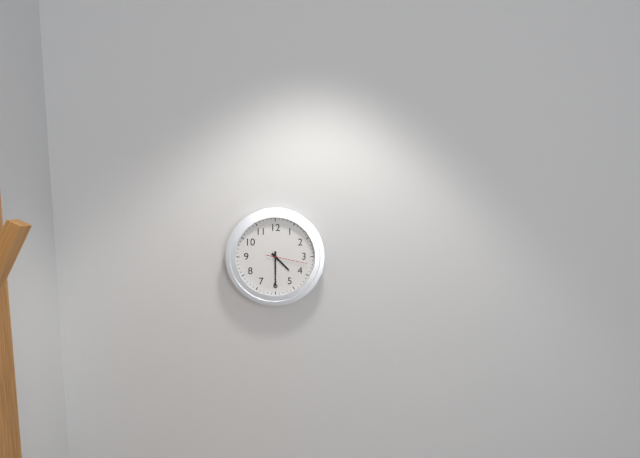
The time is **4:30**
